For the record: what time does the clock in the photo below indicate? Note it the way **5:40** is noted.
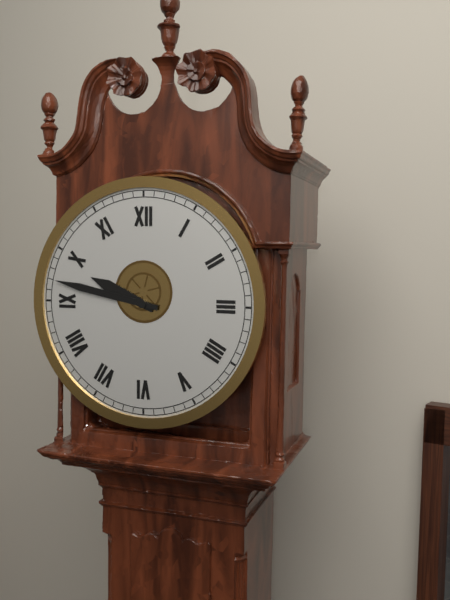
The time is **9:47**
